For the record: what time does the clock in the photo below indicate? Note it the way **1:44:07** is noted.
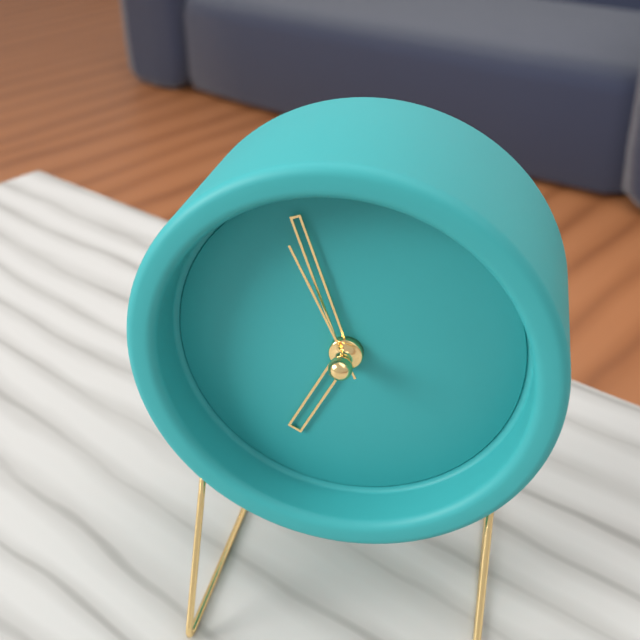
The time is **6:57:56**
